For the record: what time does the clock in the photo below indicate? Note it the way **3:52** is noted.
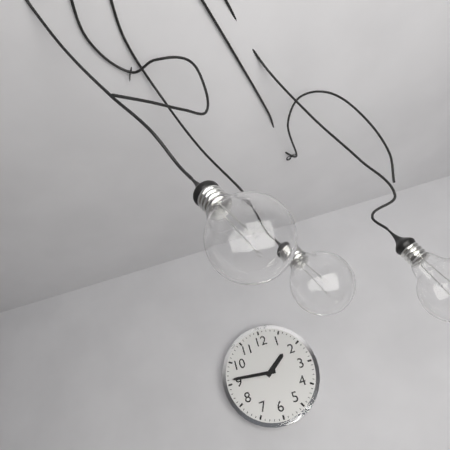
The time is **1:46**
